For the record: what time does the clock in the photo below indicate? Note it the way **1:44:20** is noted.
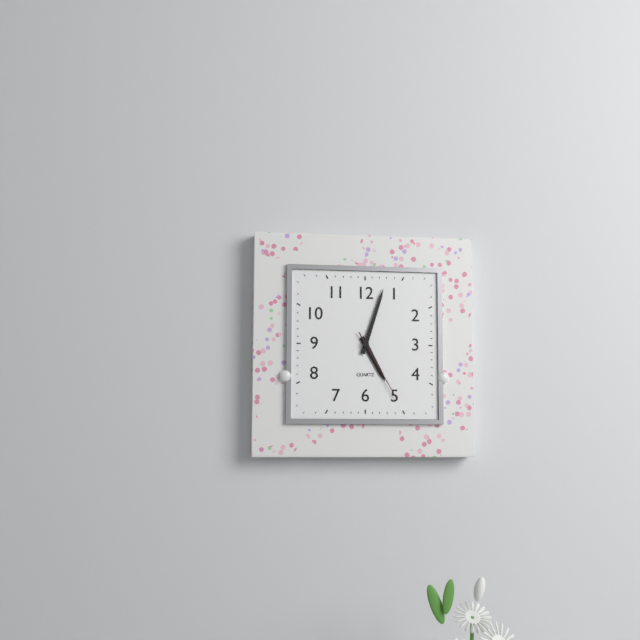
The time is **5:03:25**
